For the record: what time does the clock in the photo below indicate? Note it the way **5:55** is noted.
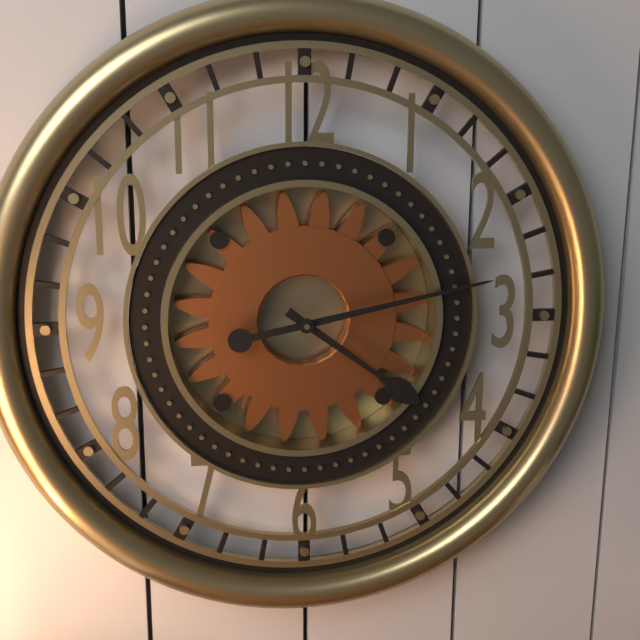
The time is **4:13**
